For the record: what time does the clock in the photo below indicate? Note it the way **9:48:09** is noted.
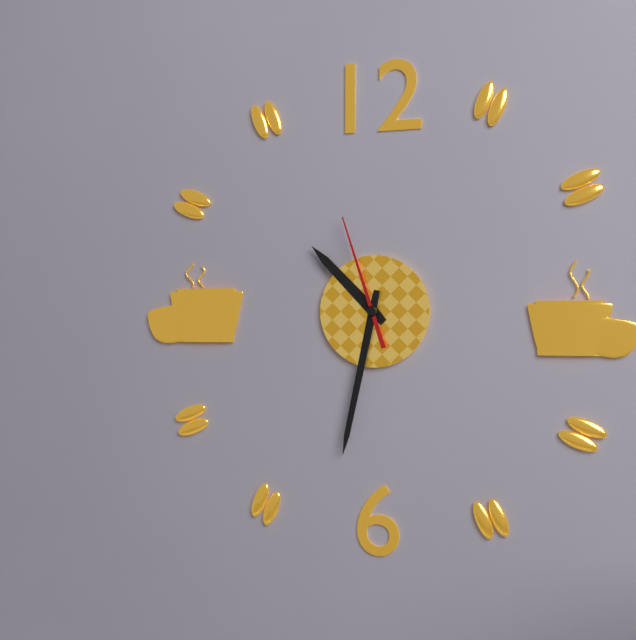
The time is **10:32:57**
